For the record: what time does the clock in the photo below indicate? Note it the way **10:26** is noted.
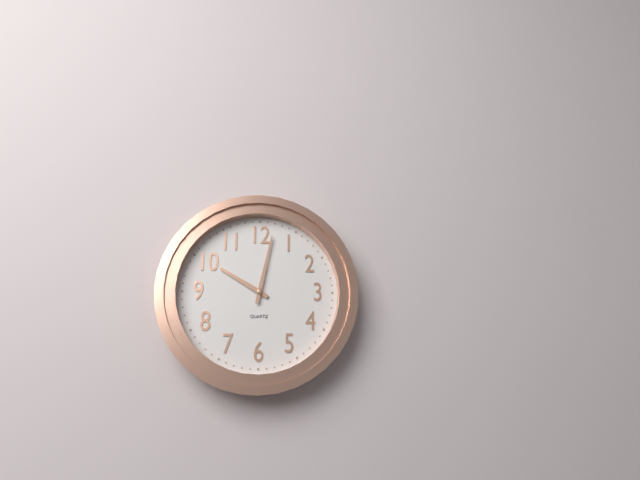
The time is **10:02**
